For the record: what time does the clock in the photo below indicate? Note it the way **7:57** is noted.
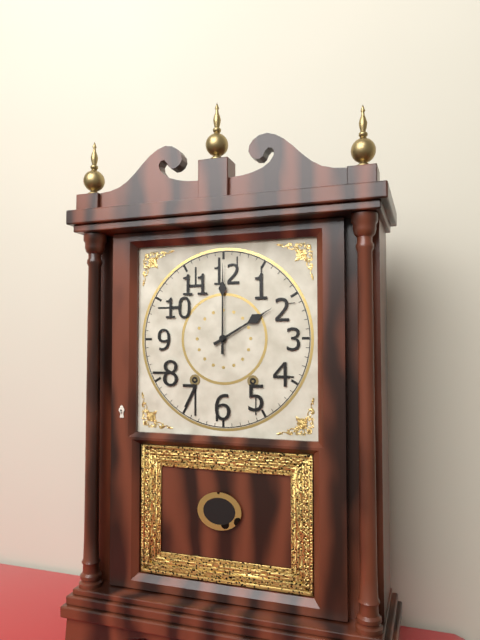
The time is **2:00**
